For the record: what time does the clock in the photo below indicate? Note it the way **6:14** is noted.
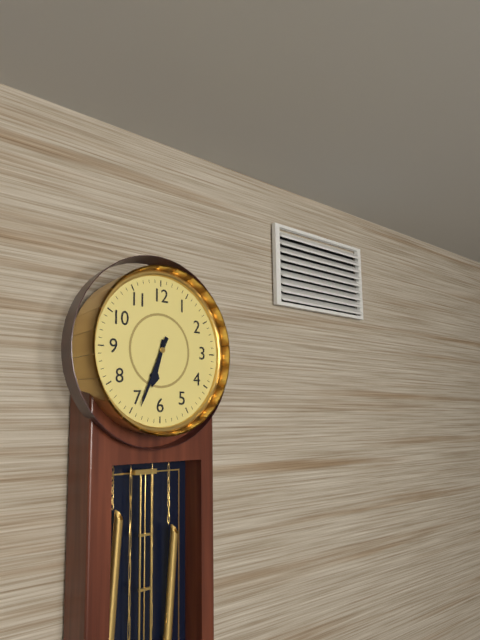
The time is **6:34**
